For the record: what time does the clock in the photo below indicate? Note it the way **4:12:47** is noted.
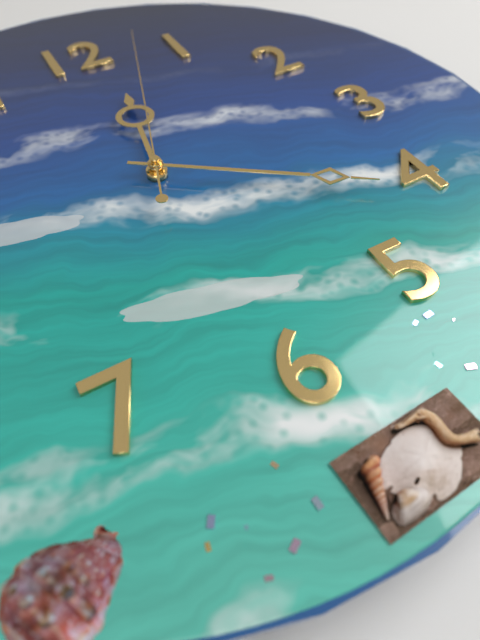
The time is **12:21:03**
